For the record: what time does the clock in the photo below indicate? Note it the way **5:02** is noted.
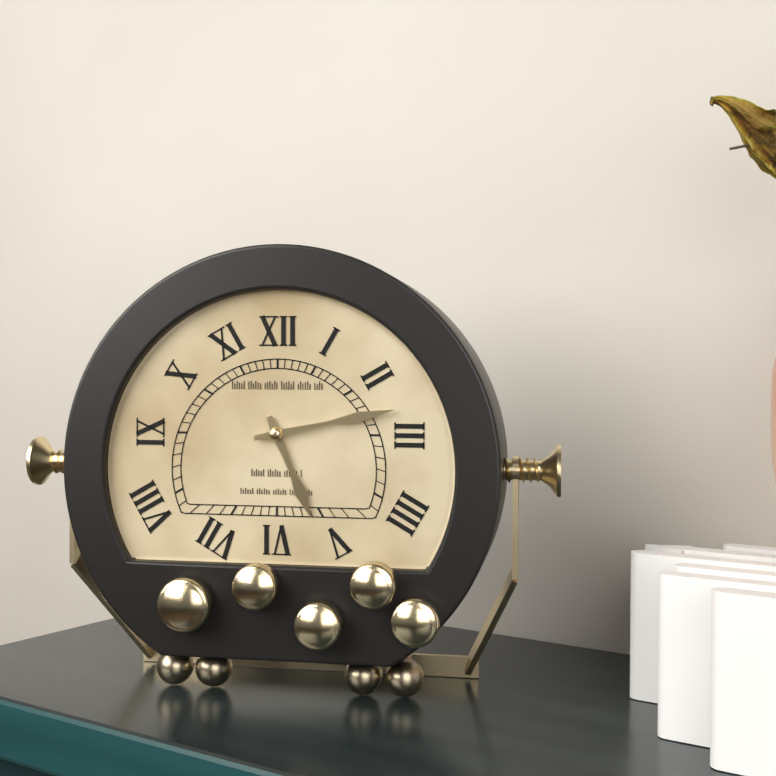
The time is **5:13**
